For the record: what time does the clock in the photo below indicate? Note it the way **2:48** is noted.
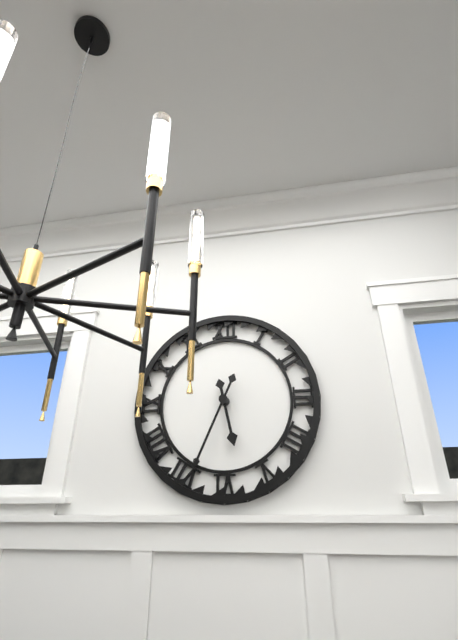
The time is **5:34**
